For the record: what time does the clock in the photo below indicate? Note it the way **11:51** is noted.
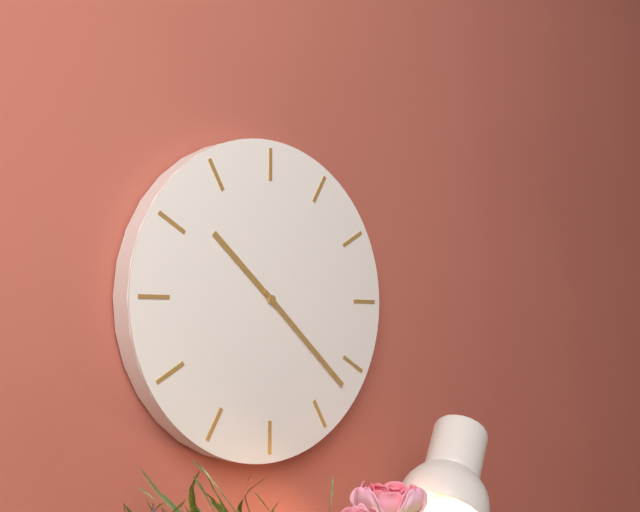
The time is **10:22**
